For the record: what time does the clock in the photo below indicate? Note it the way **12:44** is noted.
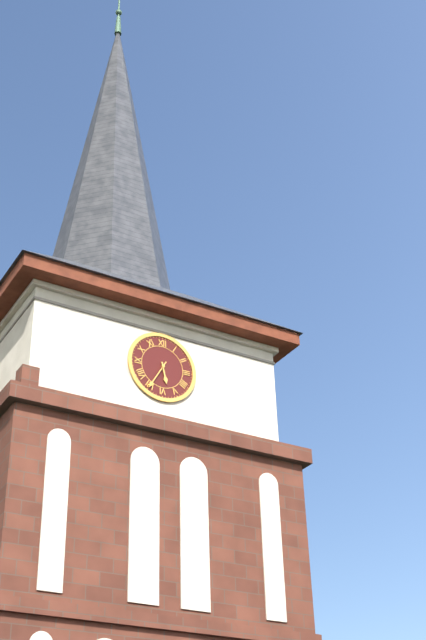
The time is **5:35**
